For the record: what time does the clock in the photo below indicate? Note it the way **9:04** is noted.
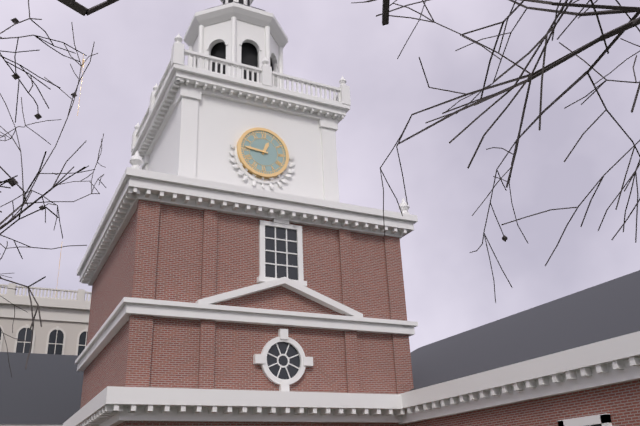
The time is **12:46**
